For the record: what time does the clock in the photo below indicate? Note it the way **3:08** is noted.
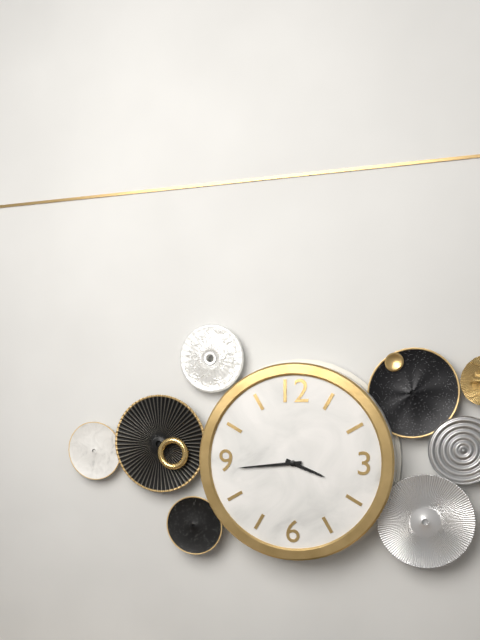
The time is **3:44**
